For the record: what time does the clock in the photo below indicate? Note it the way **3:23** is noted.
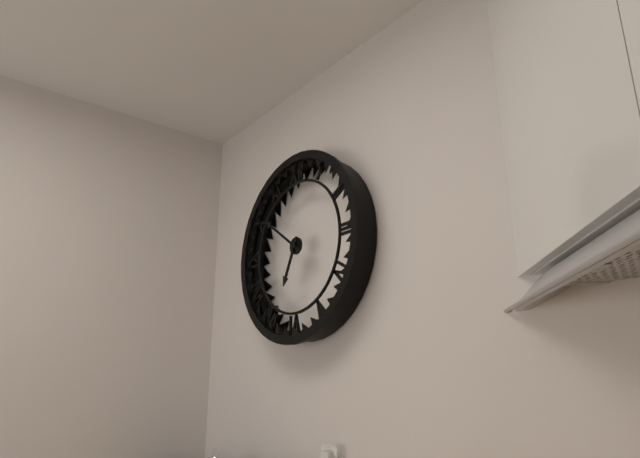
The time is **6:51**
